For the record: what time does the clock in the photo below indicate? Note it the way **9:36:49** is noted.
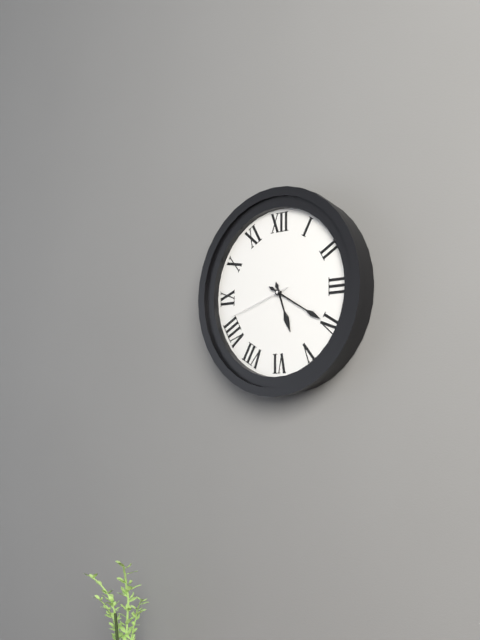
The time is **5:20:42**
